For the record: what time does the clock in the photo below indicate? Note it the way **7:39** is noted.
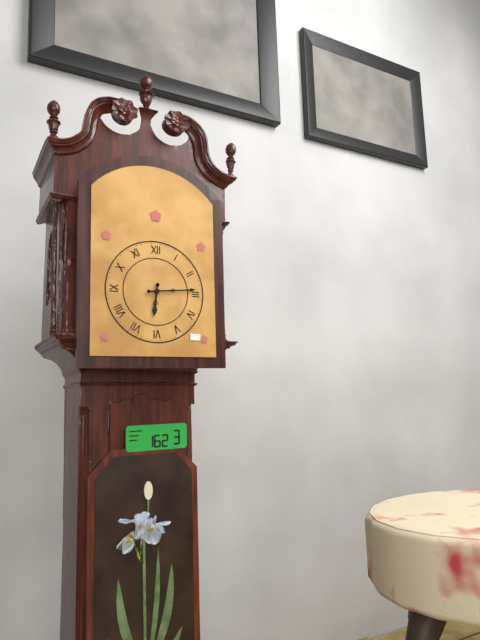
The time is **6:14**
